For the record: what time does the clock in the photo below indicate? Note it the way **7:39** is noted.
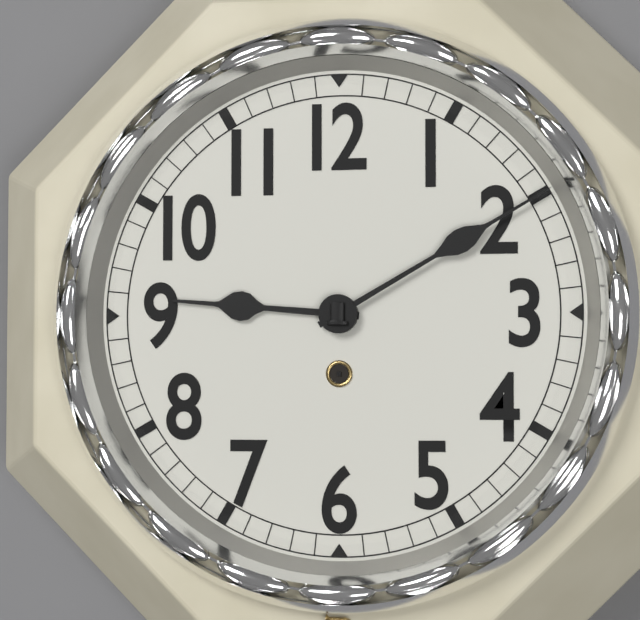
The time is **9:10**
